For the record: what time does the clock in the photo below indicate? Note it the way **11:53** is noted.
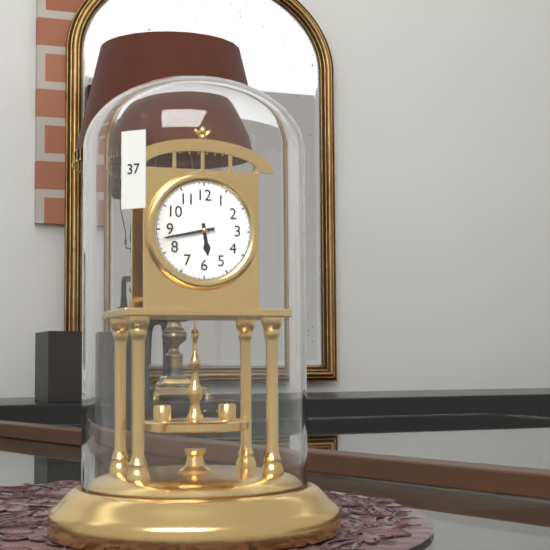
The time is **5:43**
